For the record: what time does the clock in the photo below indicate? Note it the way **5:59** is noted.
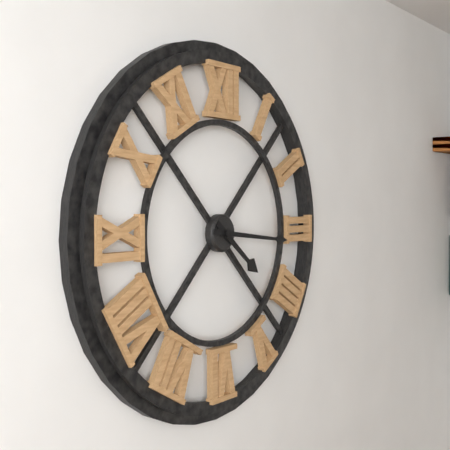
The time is **4:16**
